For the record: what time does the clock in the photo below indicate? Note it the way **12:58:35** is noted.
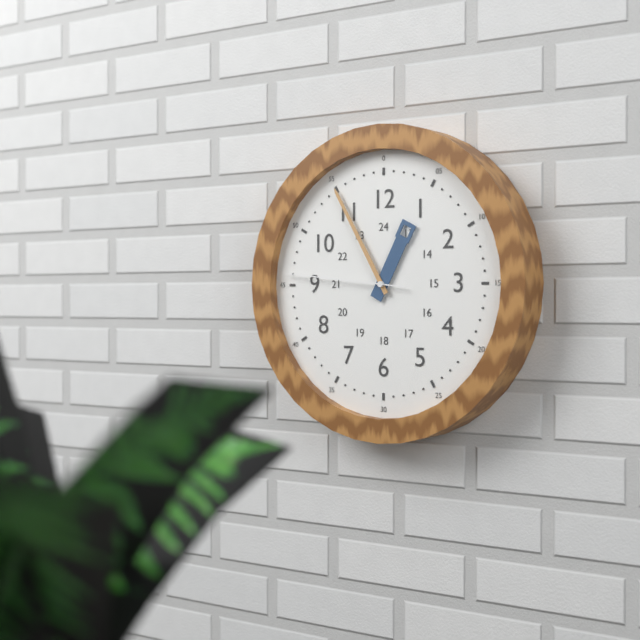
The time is **12:55:46**
